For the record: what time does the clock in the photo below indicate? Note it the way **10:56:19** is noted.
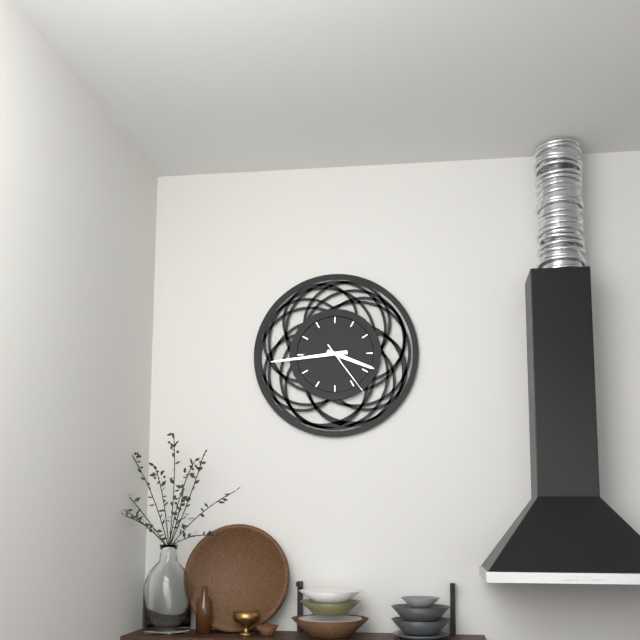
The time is **3:44:24**
